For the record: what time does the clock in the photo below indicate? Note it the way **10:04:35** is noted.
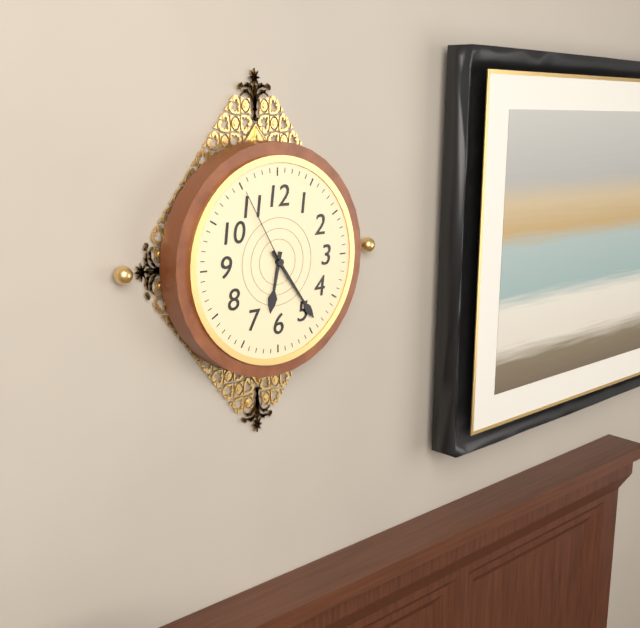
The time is **6:24:55**
